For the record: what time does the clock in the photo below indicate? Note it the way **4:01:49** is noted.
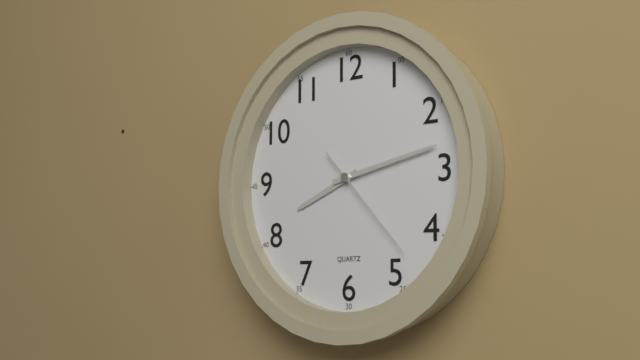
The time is **8:13:23**
